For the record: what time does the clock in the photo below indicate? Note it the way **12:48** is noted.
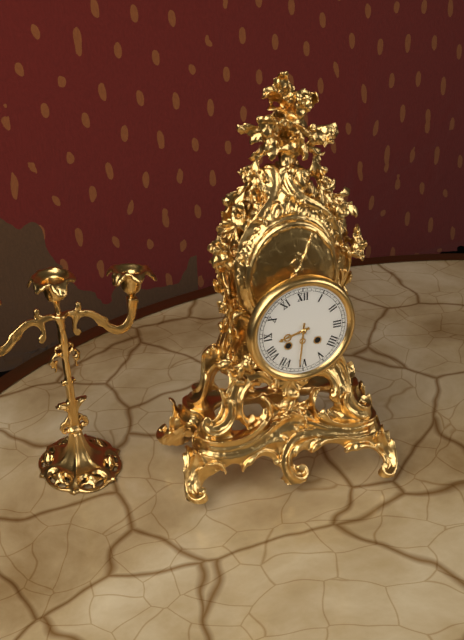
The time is **8:31**
